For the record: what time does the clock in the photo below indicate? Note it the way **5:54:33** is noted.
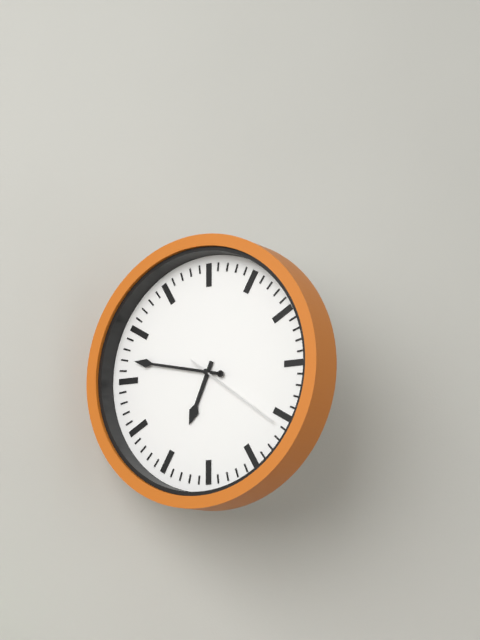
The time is **6:47:21**
